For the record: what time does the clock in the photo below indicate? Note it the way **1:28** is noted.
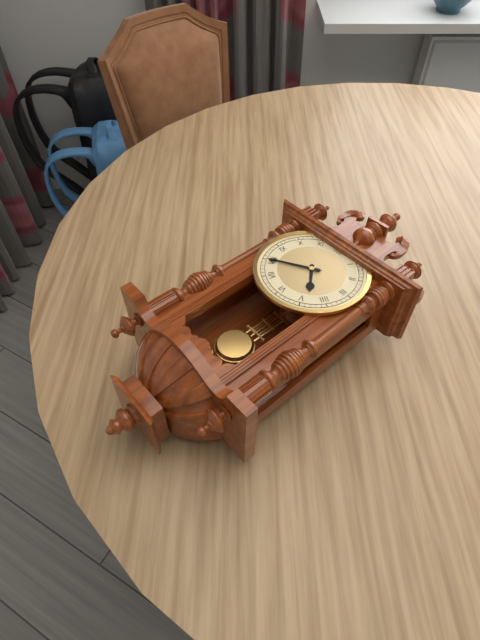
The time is **4:40**
